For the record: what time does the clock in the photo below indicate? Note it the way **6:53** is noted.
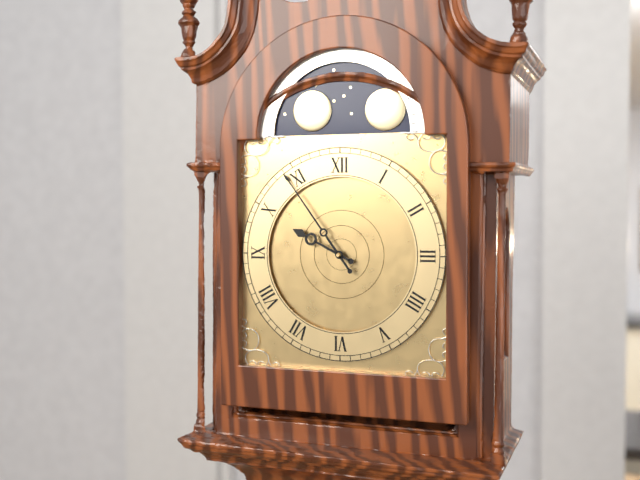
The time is **9:54**
